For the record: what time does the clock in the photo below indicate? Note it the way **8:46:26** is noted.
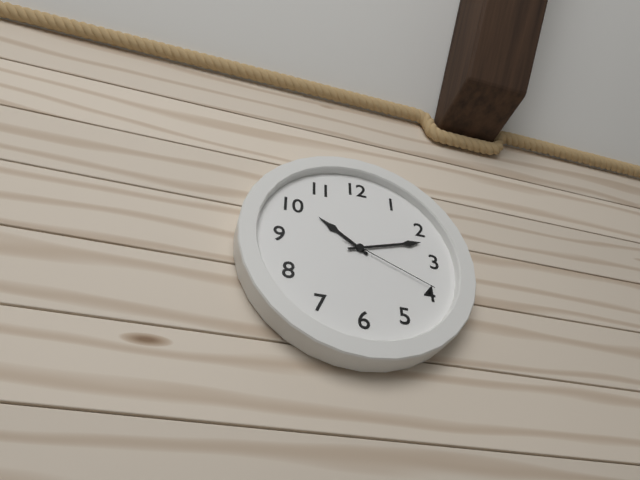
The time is **10:12:19**
